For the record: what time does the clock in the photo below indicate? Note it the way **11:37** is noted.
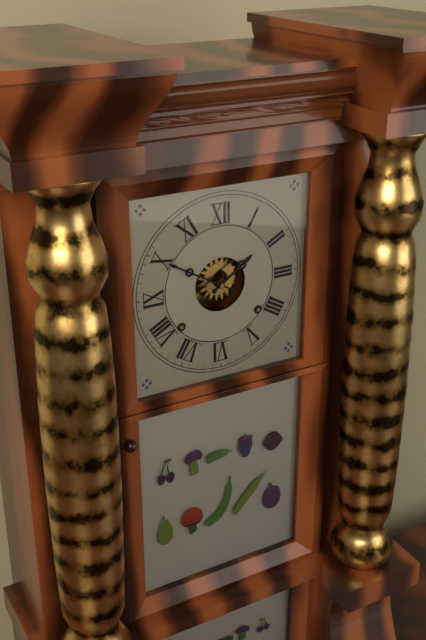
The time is **1:50**
